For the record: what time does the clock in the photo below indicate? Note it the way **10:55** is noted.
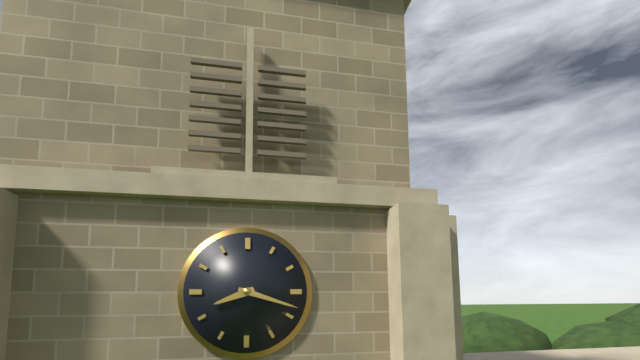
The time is **8:18**
